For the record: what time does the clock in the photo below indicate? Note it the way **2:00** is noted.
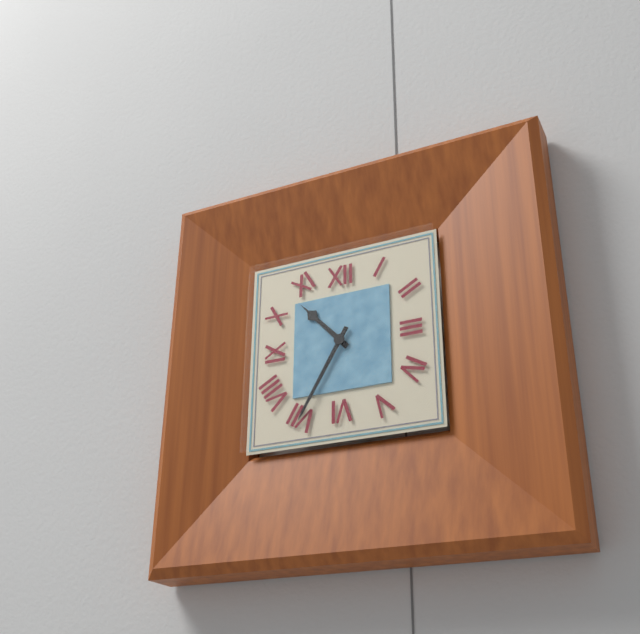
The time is **10:35**
